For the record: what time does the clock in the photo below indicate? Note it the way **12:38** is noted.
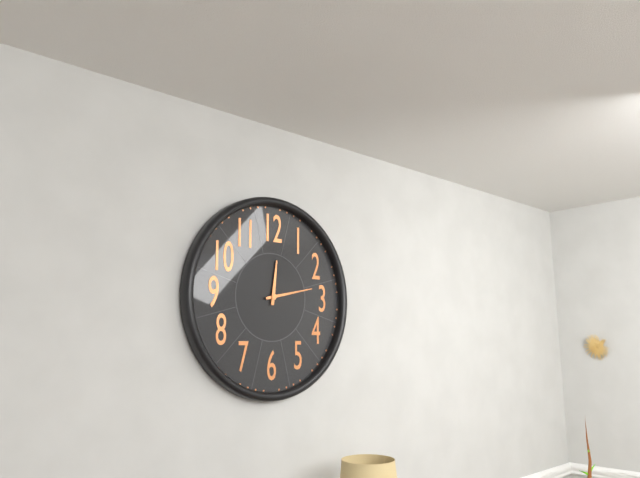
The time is **12:13**
